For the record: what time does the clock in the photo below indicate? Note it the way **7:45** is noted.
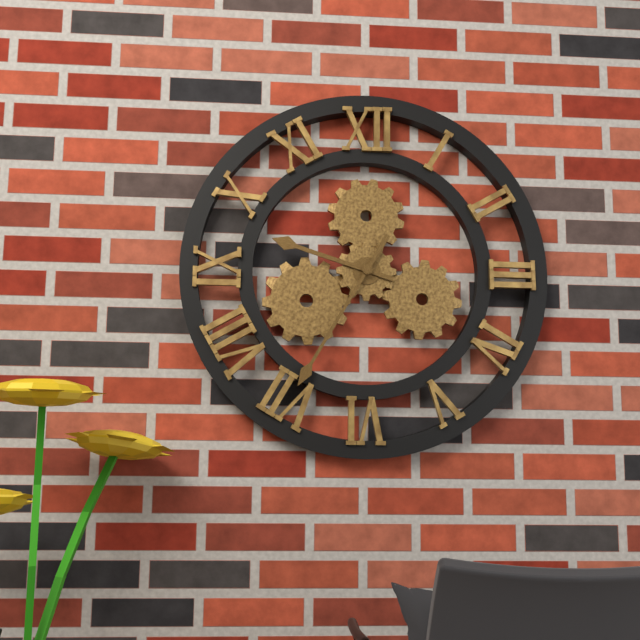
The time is **9:35**
